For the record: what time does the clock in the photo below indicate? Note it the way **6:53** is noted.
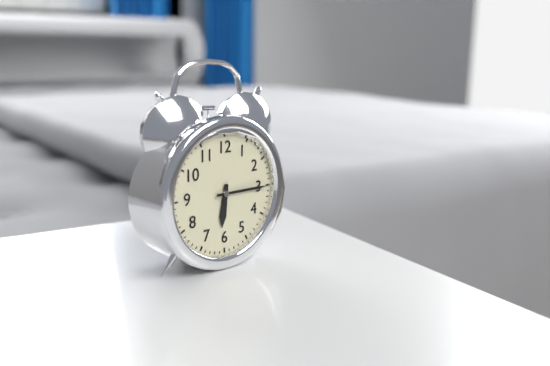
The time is **6:15**
